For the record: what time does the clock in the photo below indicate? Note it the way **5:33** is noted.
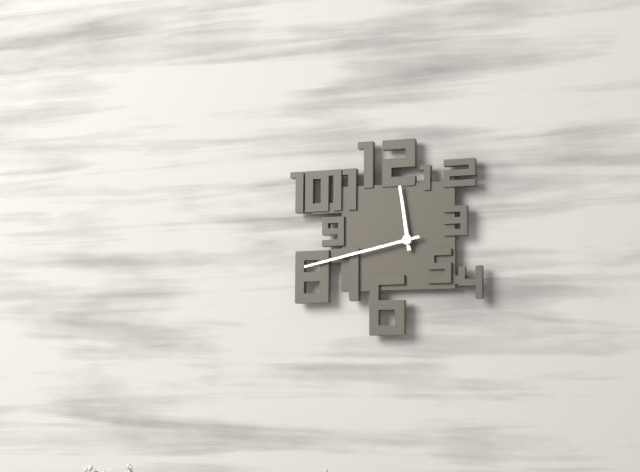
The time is **11:43**
